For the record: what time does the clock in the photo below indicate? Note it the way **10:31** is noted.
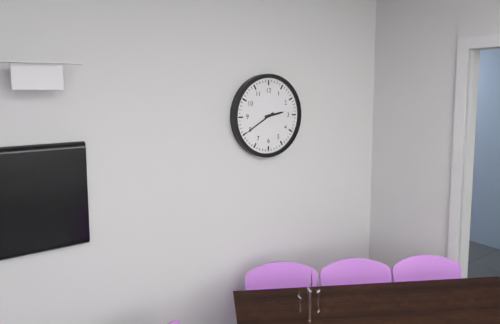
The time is **2:40**
